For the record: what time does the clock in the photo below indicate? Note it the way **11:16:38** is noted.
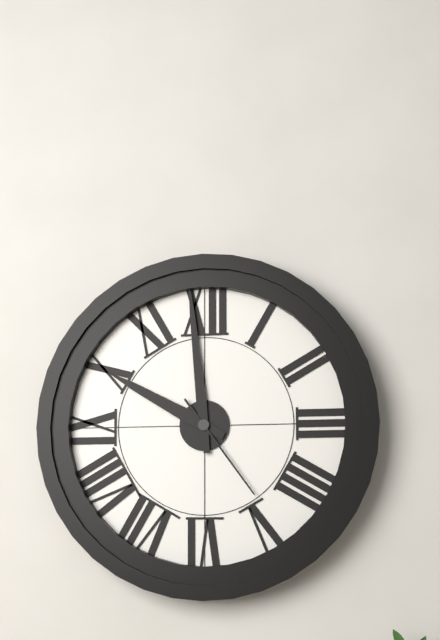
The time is **9:59:24**
